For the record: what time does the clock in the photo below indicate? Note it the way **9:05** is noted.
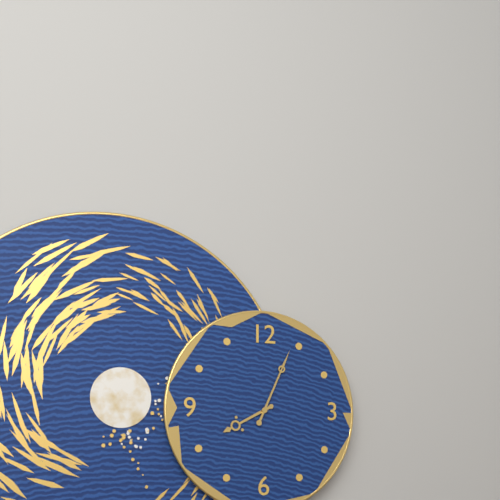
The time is **8:04**
